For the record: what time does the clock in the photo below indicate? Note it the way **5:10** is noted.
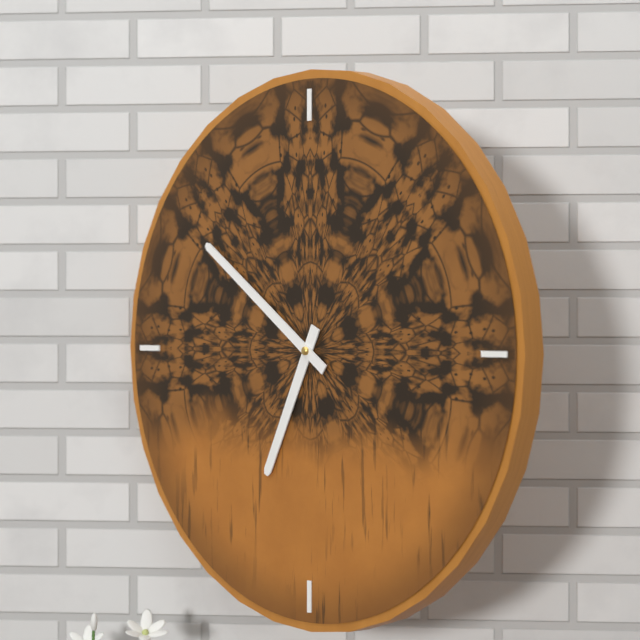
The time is **6:51**
